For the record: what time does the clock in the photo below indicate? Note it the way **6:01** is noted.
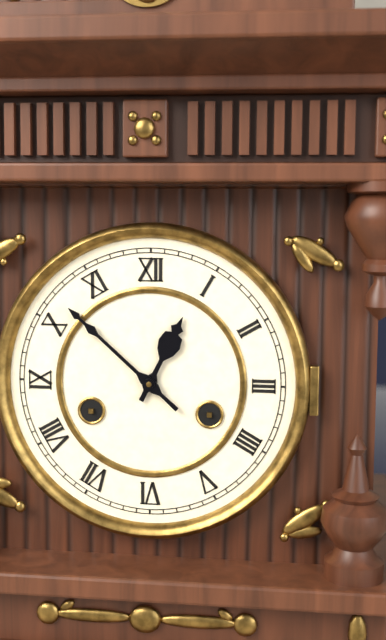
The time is **12:52**
